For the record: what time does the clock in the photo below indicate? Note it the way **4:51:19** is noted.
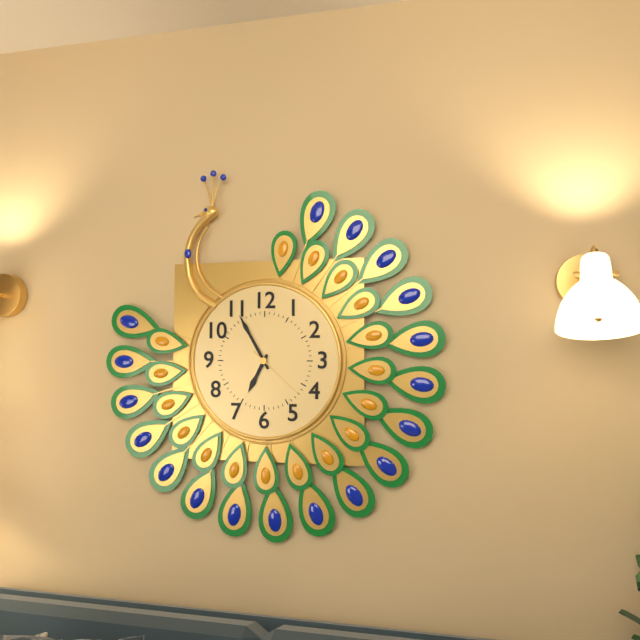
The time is **6:55:22**
